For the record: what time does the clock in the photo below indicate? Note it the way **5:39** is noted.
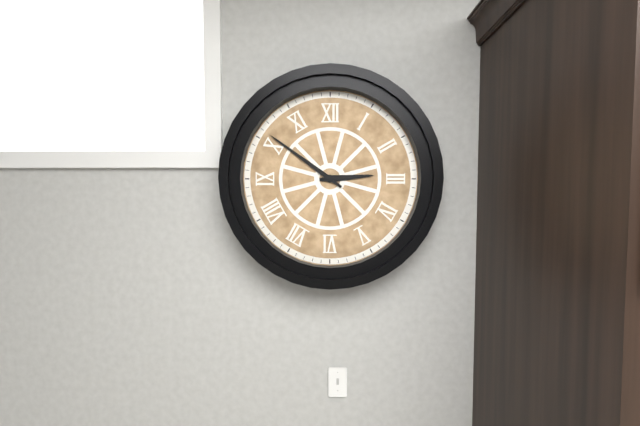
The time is **2:51**
